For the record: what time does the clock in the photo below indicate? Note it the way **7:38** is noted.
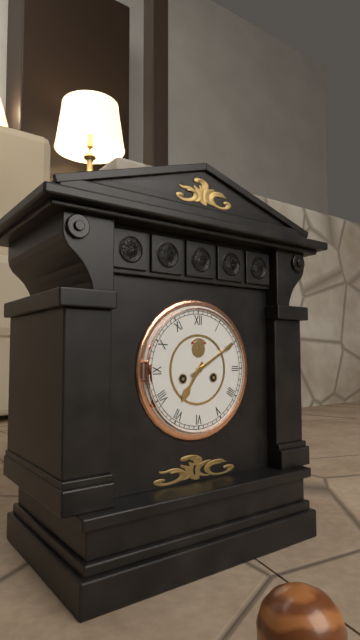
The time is **7:10**
